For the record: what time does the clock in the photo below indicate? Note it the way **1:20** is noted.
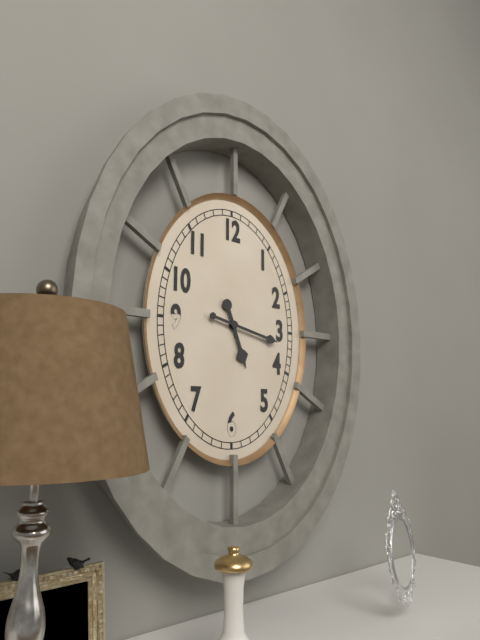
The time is **5:17**
